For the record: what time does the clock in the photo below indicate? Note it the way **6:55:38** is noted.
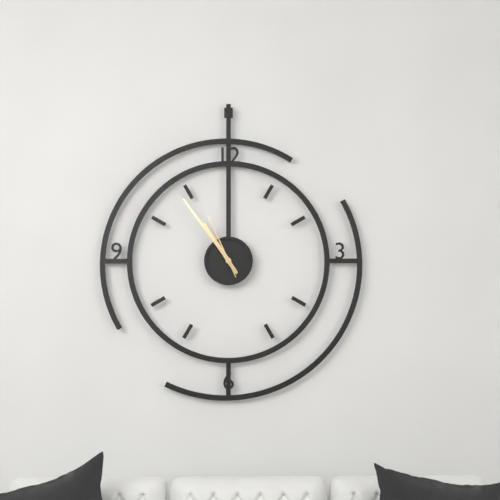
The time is **10:54:56**
